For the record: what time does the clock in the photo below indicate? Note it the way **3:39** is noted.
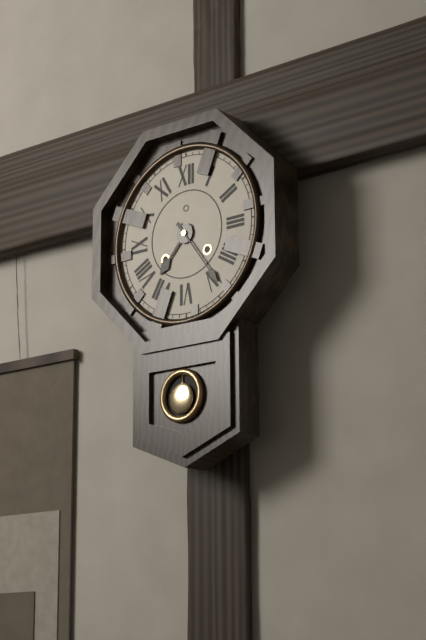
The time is **7:24**
